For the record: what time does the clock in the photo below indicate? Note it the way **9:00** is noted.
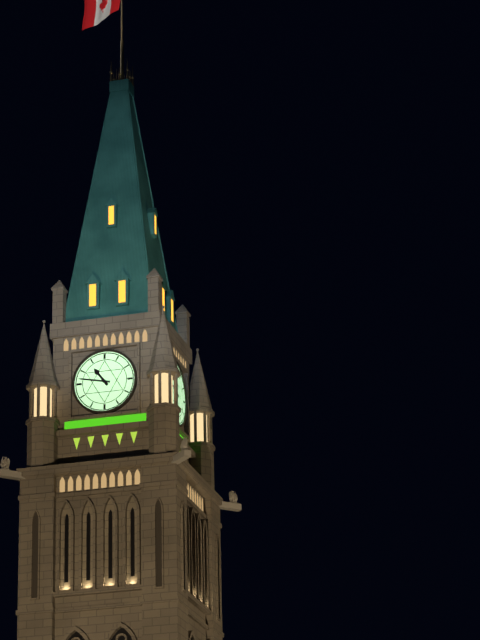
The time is **10:47**
